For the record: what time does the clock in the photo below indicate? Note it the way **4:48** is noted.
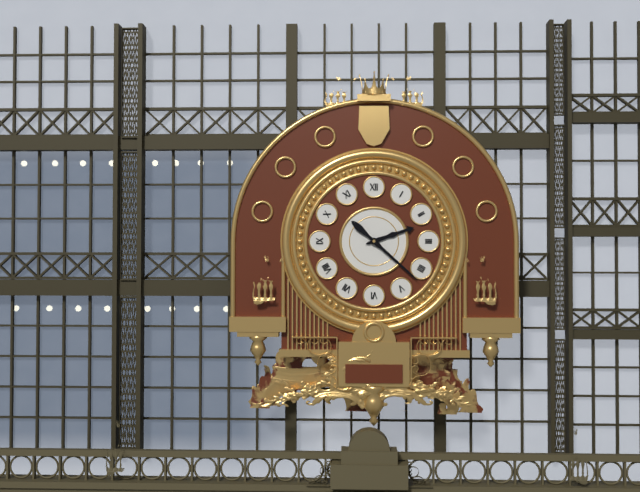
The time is **2:22**
